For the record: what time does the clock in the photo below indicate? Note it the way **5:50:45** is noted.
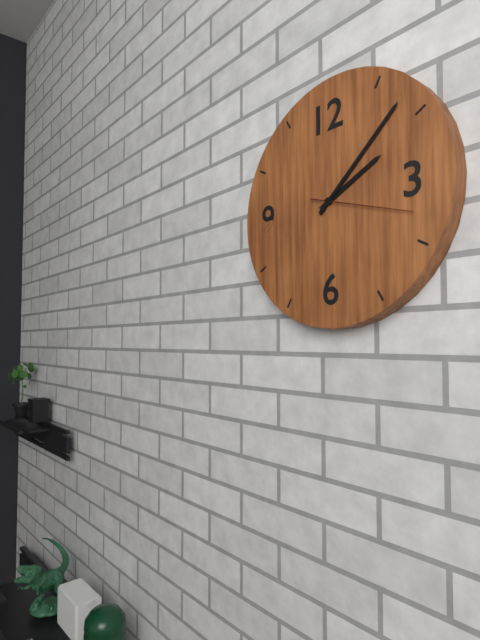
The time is **2:08:18**
